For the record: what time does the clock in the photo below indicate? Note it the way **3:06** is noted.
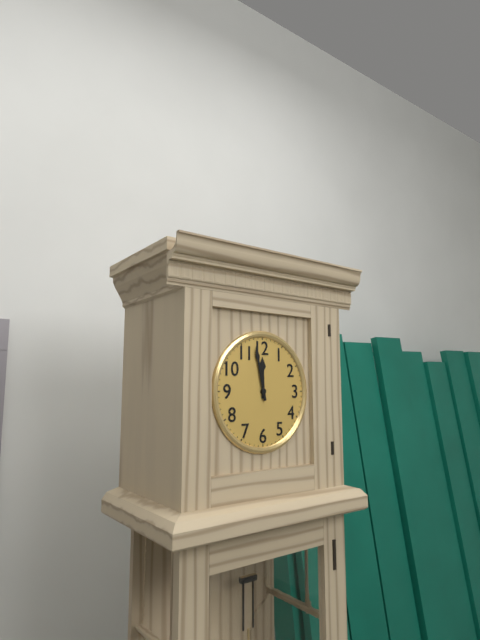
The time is **11:58**
